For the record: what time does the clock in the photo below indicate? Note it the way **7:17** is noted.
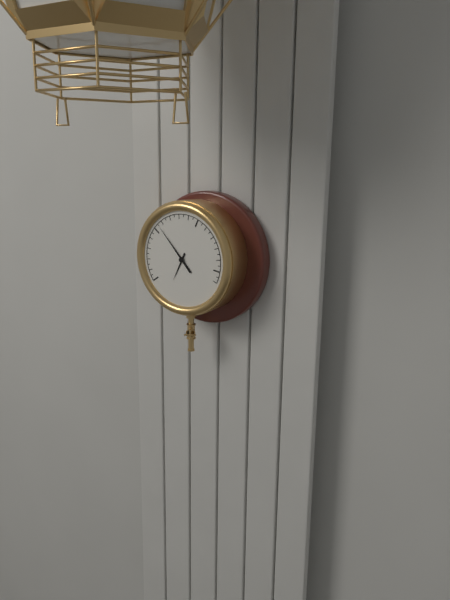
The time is **6:53**
